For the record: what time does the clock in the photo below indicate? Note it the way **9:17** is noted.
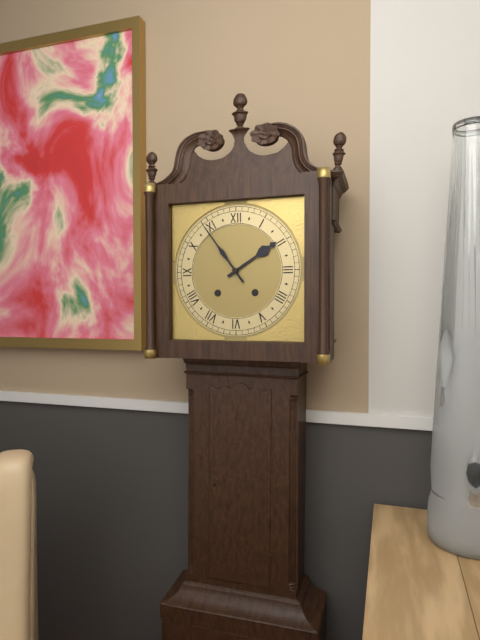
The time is **1:54**
